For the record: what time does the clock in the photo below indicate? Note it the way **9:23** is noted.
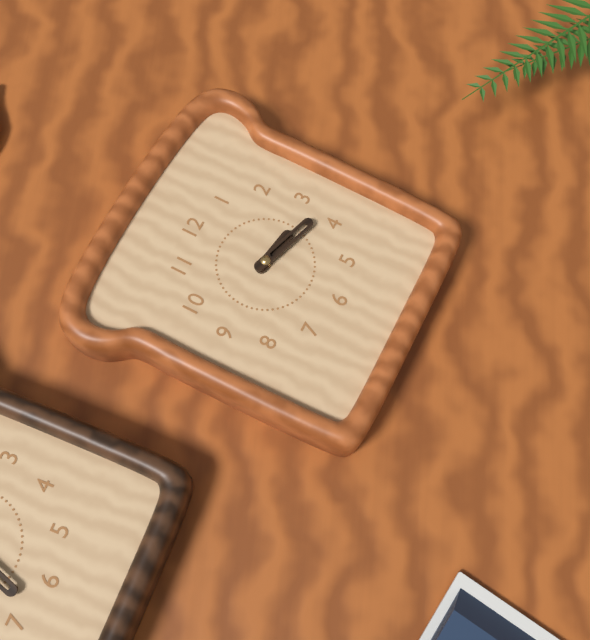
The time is **3:18**
